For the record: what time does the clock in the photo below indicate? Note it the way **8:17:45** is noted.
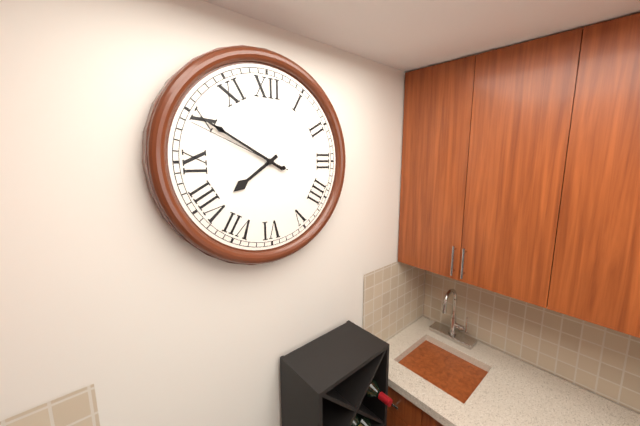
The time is **7:50:49**
